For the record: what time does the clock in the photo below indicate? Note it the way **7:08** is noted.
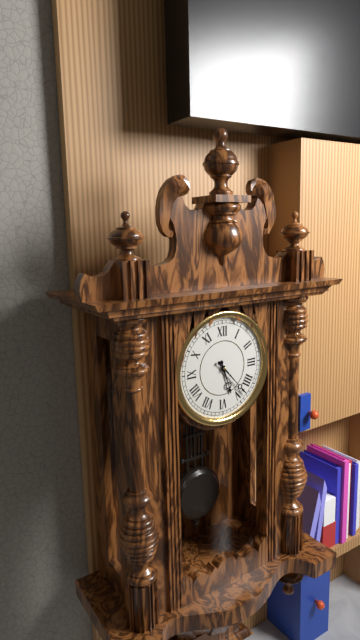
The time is **5:23**
